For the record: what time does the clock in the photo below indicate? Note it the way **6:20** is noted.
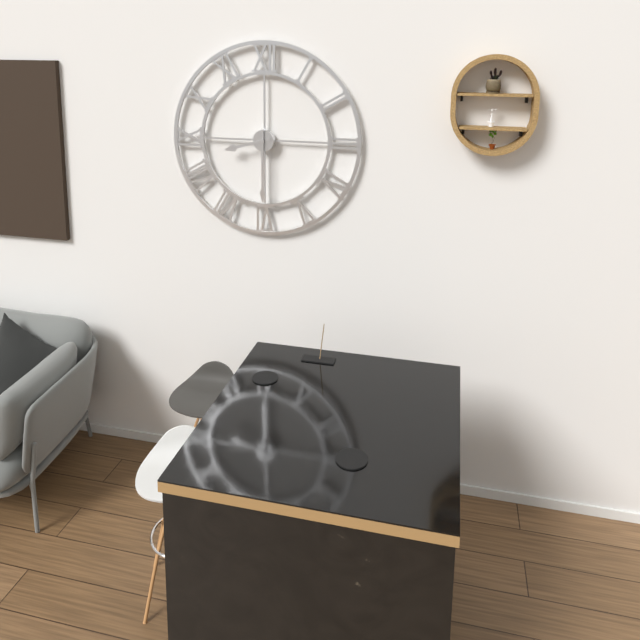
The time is **8:30**
